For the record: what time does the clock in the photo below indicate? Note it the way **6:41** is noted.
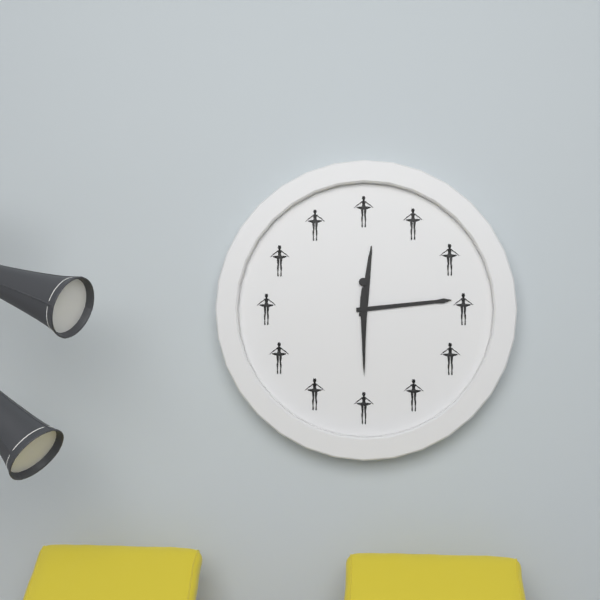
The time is **12:14**
